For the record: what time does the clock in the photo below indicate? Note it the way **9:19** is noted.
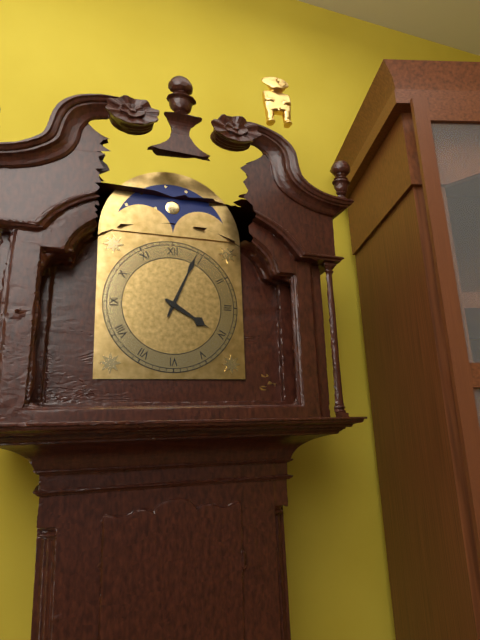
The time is **4:04**
